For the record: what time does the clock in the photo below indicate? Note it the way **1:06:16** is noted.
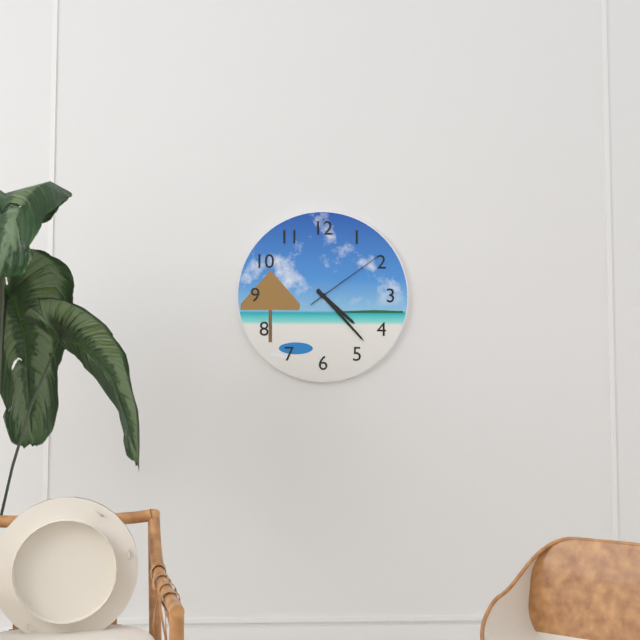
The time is **4:23:09**
